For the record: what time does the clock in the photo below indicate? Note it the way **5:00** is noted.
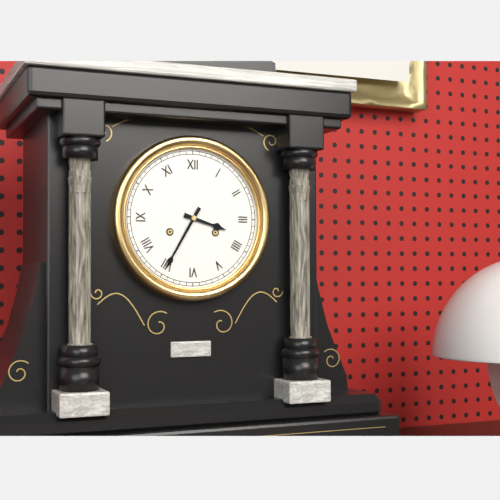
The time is **3:35**
